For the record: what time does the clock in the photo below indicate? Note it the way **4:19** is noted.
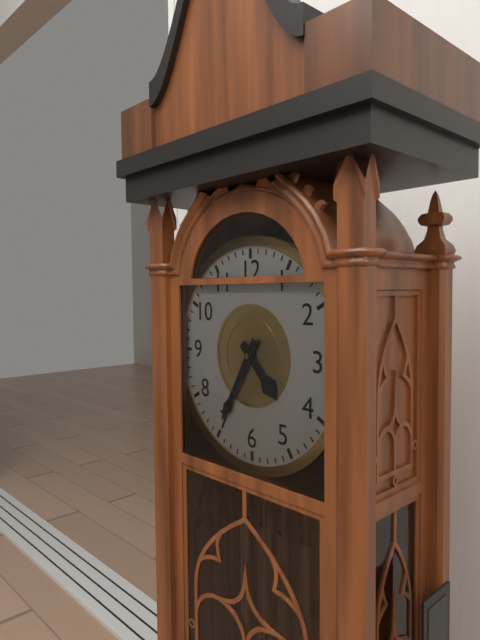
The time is **4:35**
